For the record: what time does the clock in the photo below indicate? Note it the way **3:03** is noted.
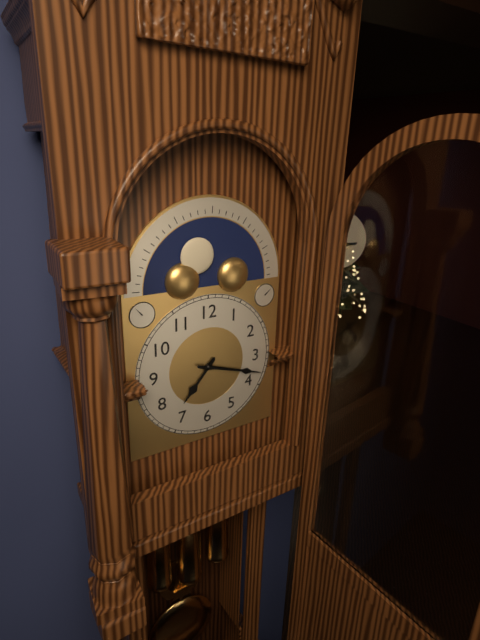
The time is **7:18**
